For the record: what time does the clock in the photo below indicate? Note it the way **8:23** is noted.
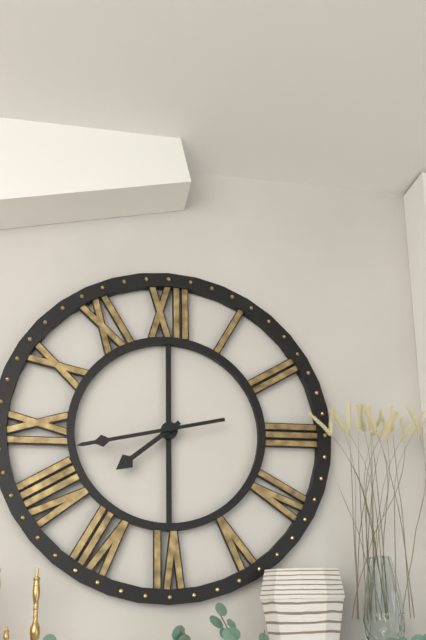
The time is **7:43**
